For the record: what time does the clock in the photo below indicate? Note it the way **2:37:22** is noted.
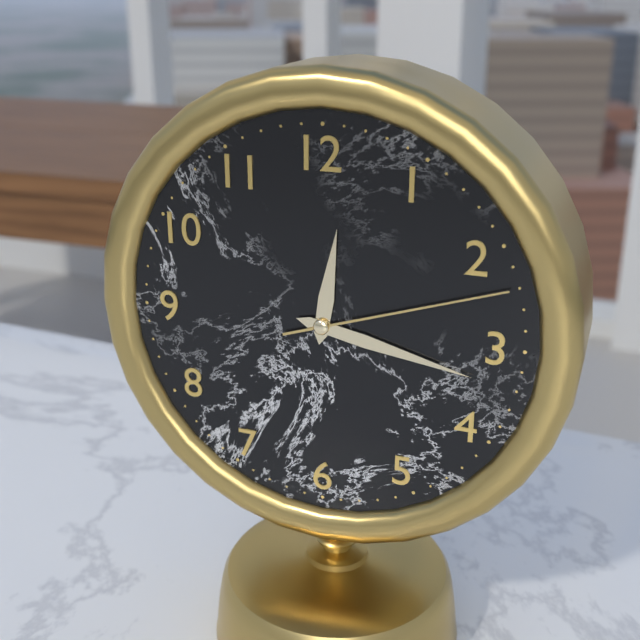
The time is **12:17:12**
